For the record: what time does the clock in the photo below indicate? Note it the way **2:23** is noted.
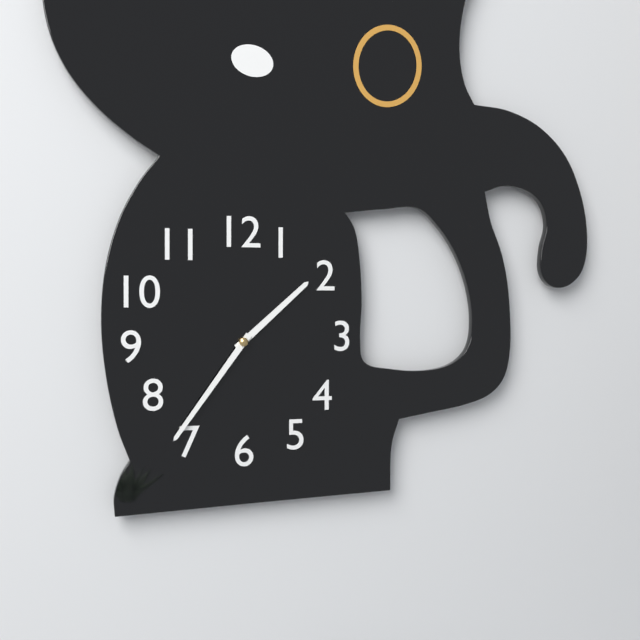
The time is **1:36**
